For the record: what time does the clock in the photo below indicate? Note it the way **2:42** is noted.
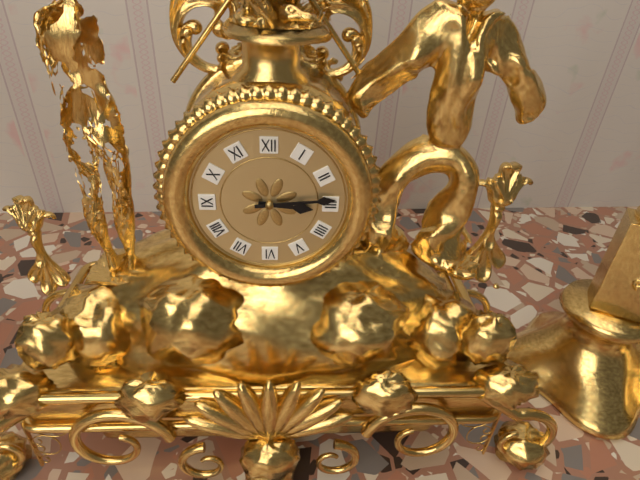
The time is **3:14**
